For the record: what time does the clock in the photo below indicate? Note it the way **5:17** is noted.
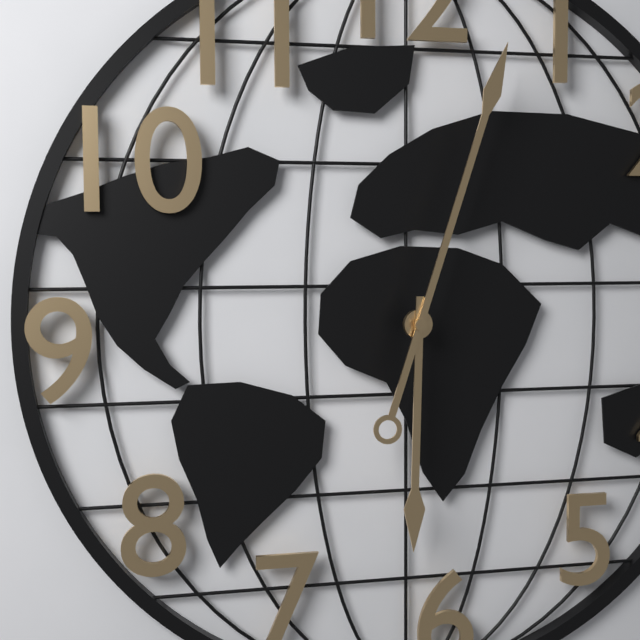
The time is **6:03**
